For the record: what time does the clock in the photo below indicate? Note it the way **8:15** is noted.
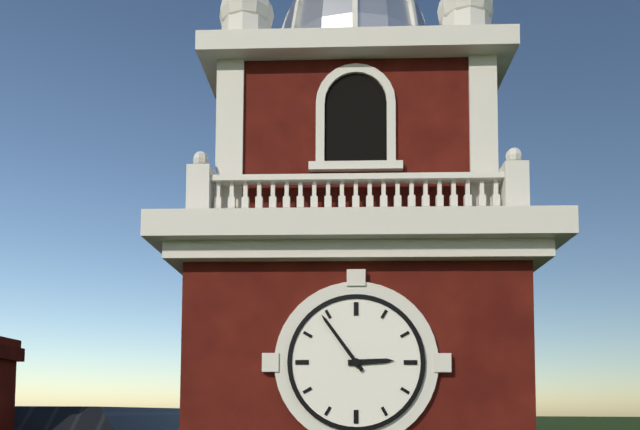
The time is **2:54**
